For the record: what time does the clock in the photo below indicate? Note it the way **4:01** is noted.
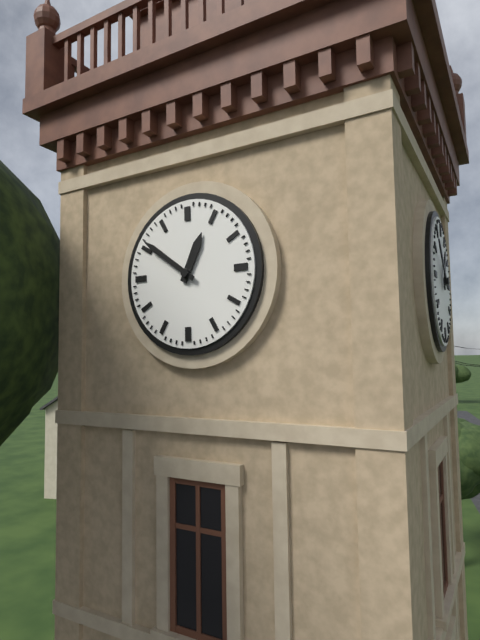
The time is **12:51**
